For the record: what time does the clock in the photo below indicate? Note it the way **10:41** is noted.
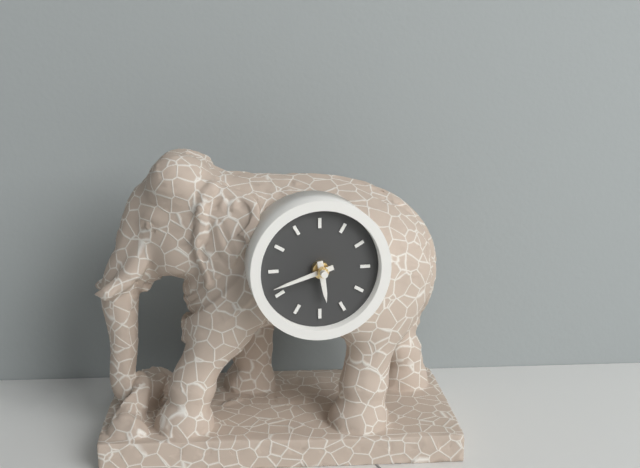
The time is **5:42**
